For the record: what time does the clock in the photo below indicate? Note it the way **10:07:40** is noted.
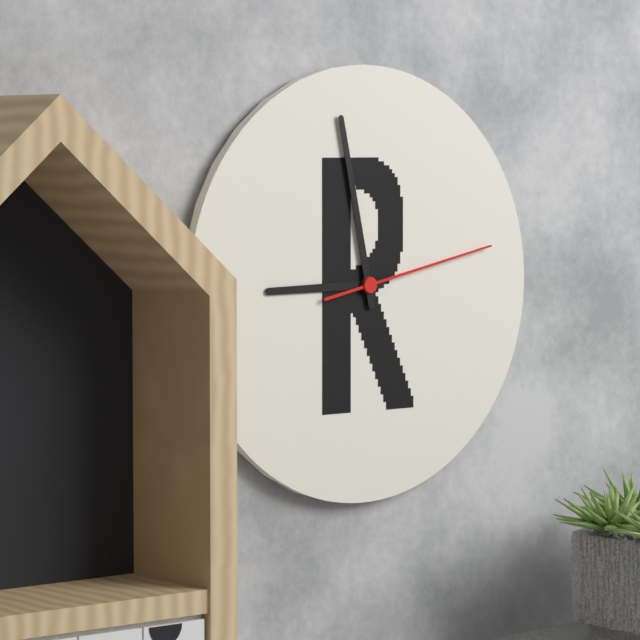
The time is **8:58:13**
